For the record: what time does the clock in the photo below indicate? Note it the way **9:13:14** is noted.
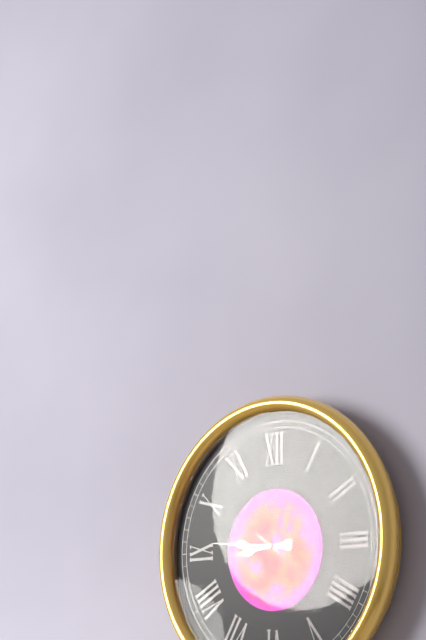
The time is **8:46:21**
